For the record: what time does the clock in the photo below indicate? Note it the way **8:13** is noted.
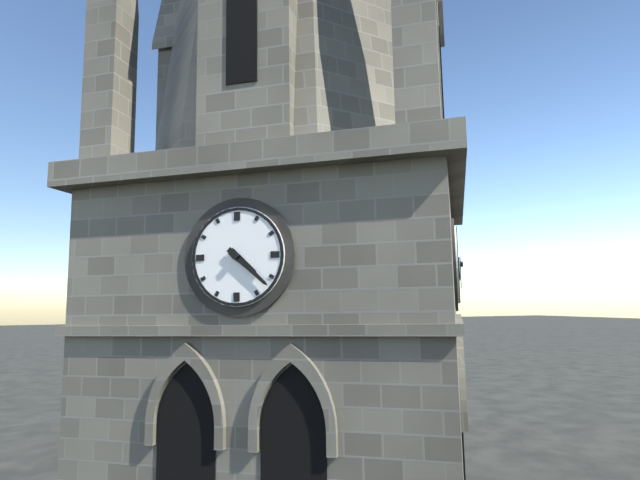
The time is **4:22**
